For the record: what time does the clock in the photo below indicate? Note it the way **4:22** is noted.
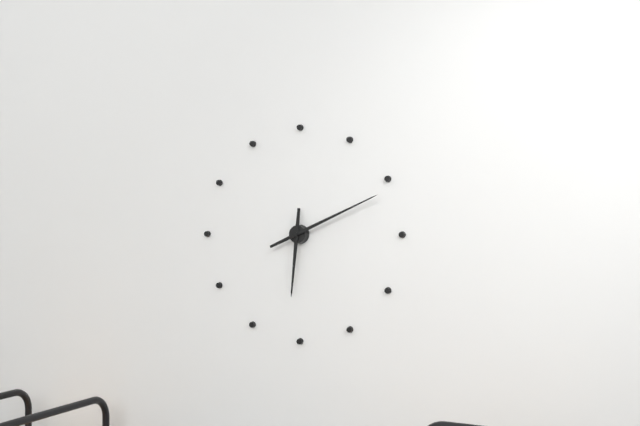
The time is **6:11**
